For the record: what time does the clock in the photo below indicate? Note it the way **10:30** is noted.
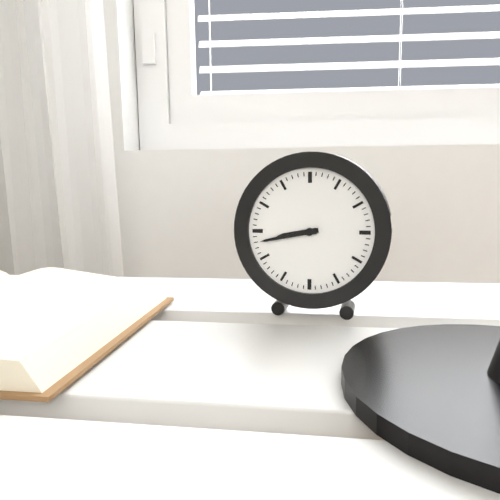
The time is **8:43**
